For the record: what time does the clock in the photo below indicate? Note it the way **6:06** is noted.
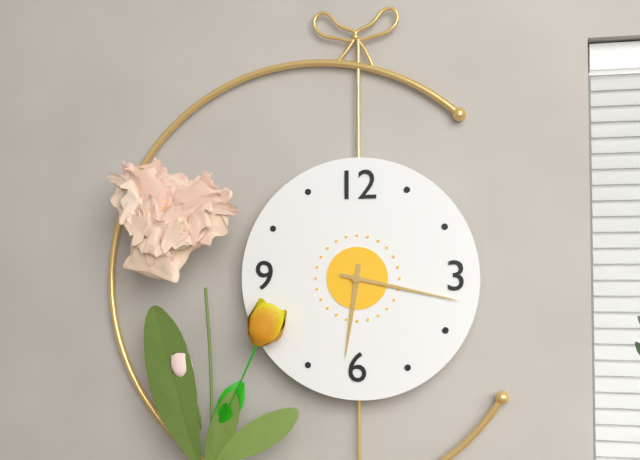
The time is **6:17**
